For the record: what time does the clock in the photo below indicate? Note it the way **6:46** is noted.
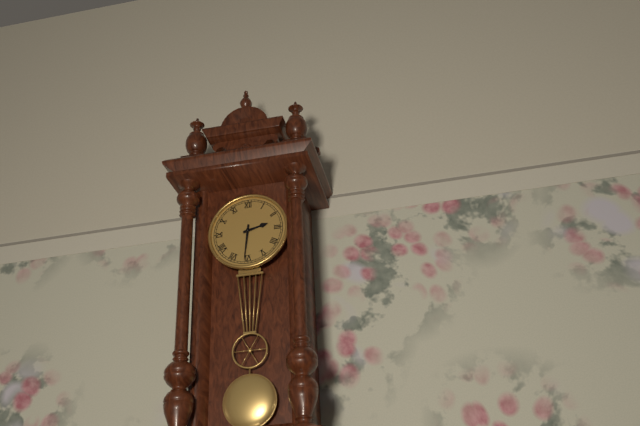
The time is **2:31**
